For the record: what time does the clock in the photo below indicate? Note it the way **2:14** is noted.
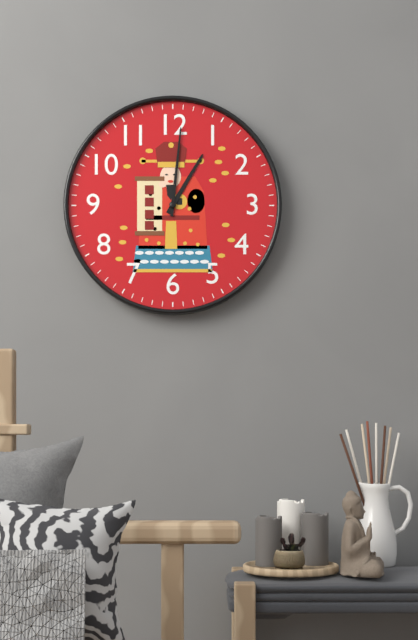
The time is **1:01**
